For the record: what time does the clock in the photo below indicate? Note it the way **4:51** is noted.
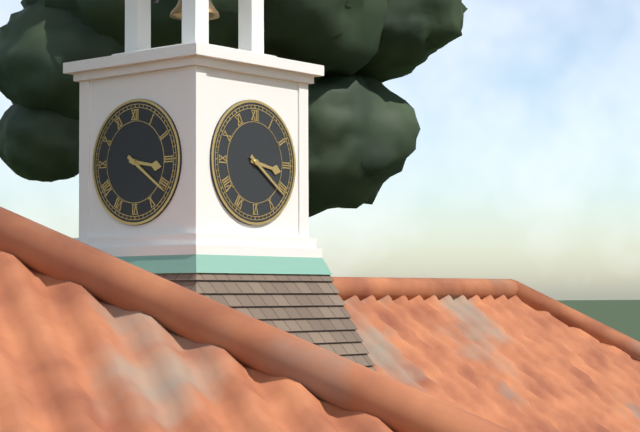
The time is **3:21**
